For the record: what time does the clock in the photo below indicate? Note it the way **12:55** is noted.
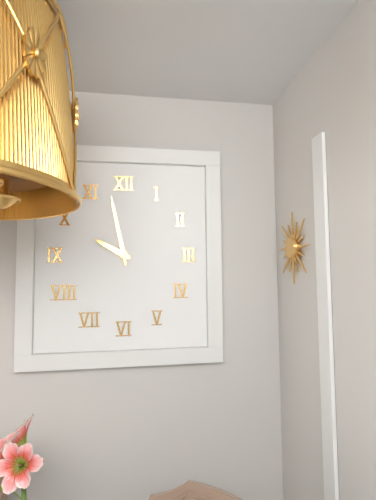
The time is **9:58**
